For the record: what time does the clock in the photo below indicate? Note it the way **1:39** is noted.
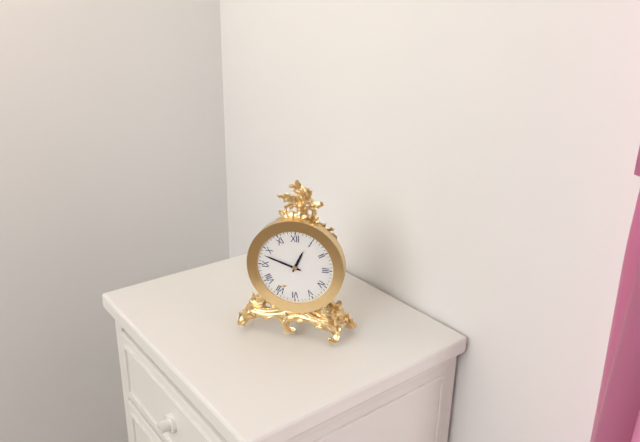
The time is **12:48**
